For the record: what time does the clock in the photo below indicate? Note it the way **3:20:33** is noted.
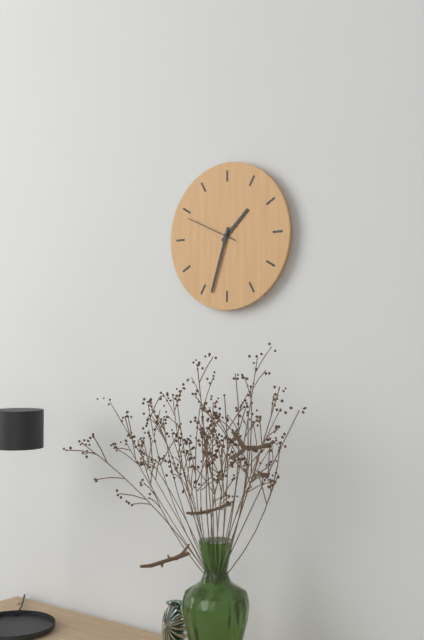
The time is **1:33:49**
